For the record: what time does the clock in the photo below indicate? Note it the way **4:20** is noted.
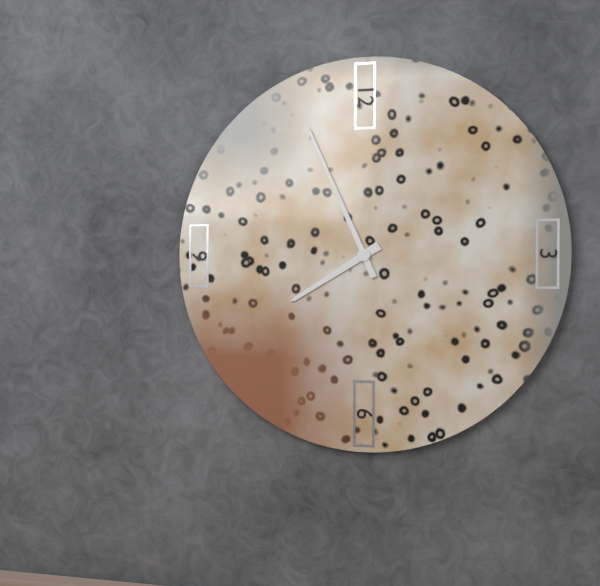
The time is **7:56**
